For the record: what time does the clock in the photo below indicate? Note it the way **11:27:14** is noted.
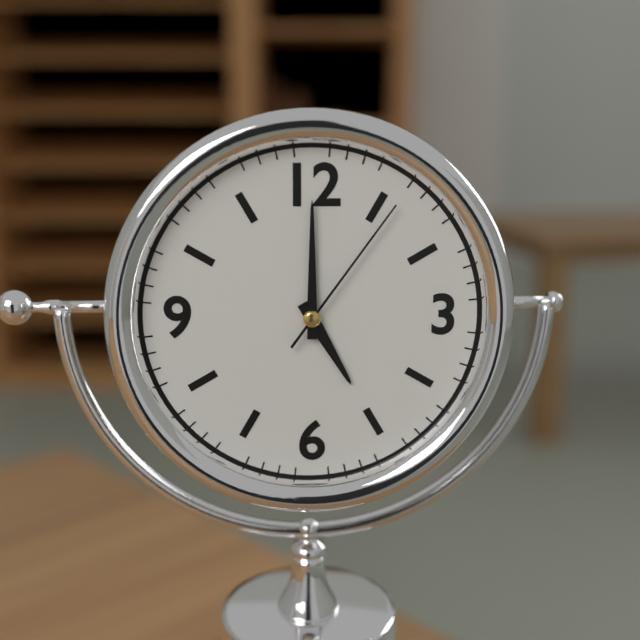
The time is **5:00:06**
